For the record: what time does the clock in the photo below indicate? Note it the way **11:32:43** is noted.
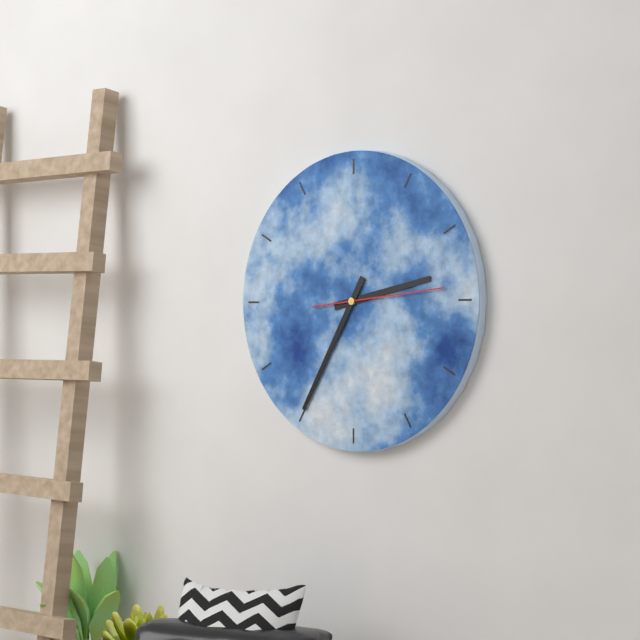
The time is **2:35:14**
